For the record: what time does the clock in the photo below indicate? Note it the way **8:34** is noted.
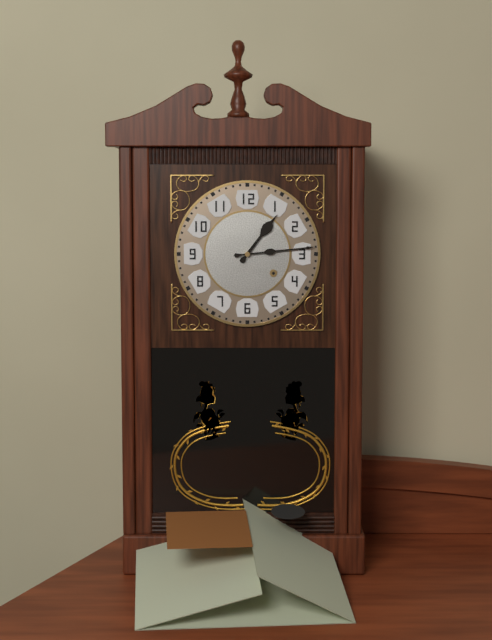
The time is **1:14**
